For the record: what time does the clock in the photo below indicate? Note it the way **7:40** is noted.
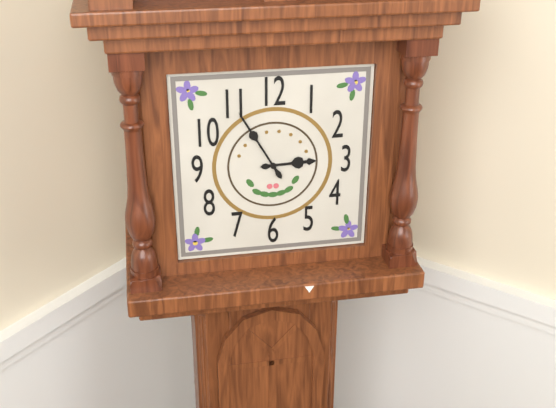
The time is **2:55**
